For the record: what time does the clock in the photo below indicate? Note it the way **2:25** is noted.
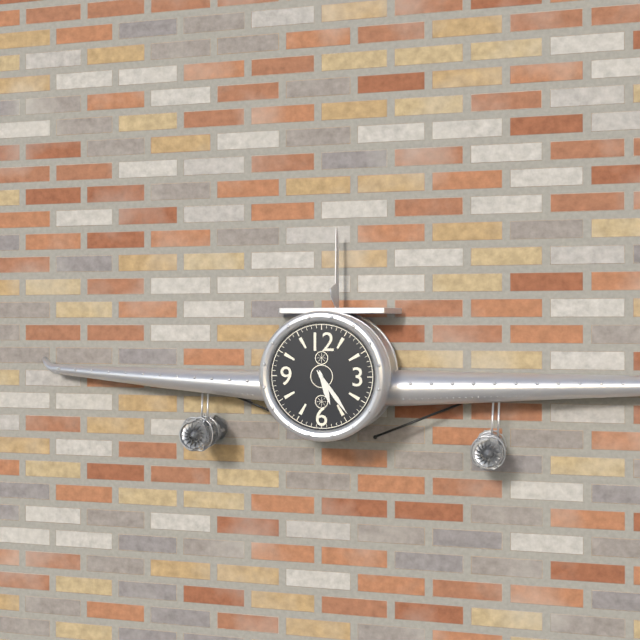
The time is **5:24**
